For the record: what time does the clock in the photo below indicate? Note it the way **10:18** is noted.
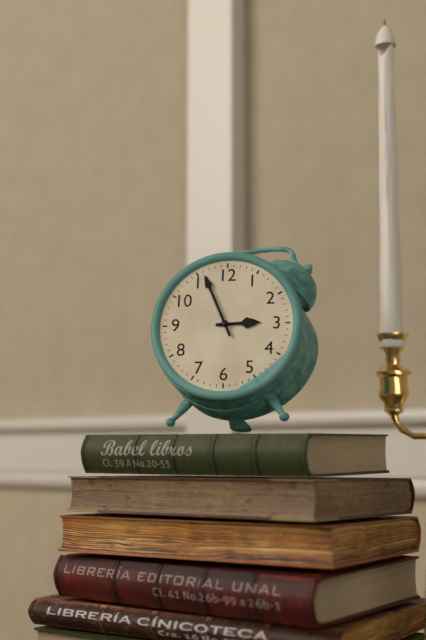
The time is **2:56**
